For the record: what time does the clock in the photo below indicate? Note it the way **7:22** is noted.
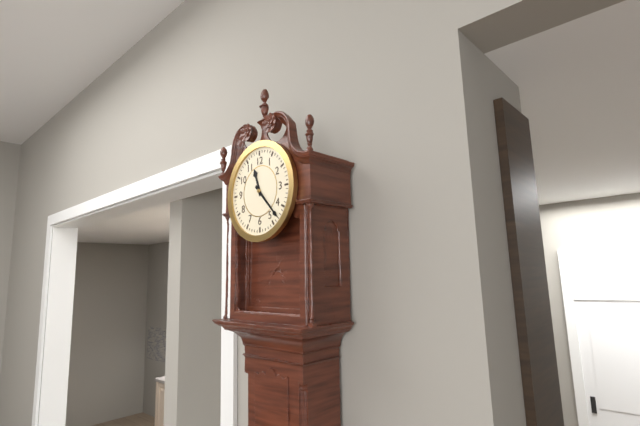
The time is **11:23**
